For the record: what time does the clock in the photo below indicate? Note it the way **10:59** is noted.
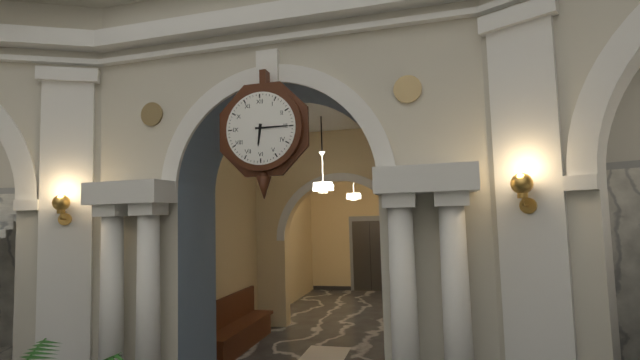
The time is **6:15**
